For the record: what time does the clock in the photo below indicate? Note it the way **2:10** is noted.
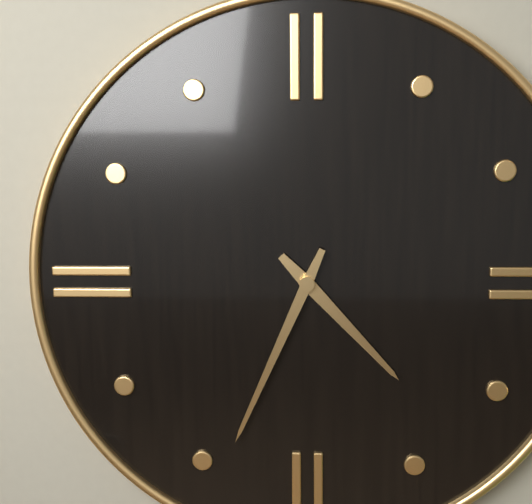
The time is **4:34**
